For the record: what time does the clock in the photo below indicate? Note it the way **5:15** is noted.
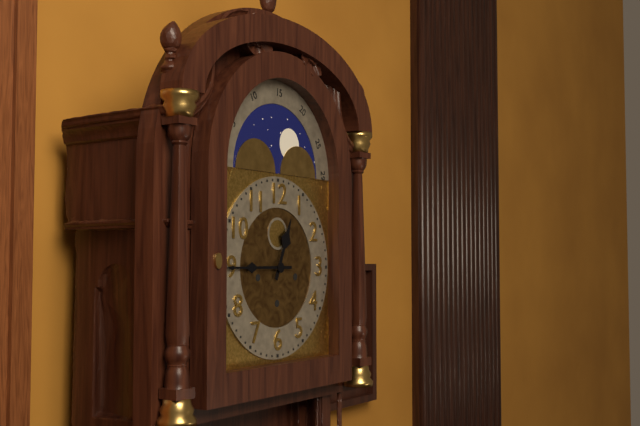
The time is **12:45**
